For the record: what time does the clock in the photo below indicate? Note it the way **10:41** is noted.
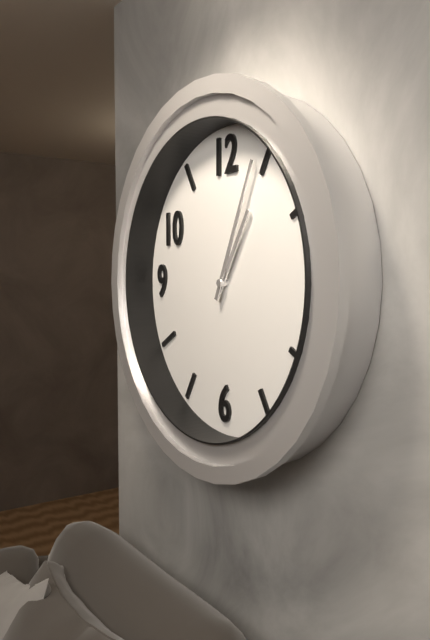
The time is **1:04**
